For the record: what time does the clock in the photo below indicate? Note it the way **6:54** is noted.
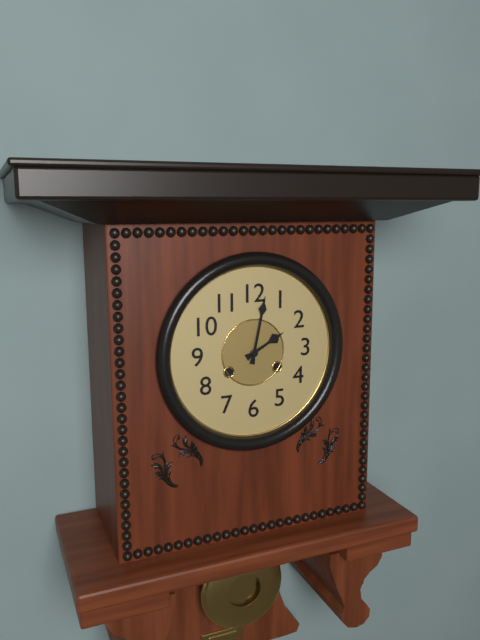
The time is **2:02**
